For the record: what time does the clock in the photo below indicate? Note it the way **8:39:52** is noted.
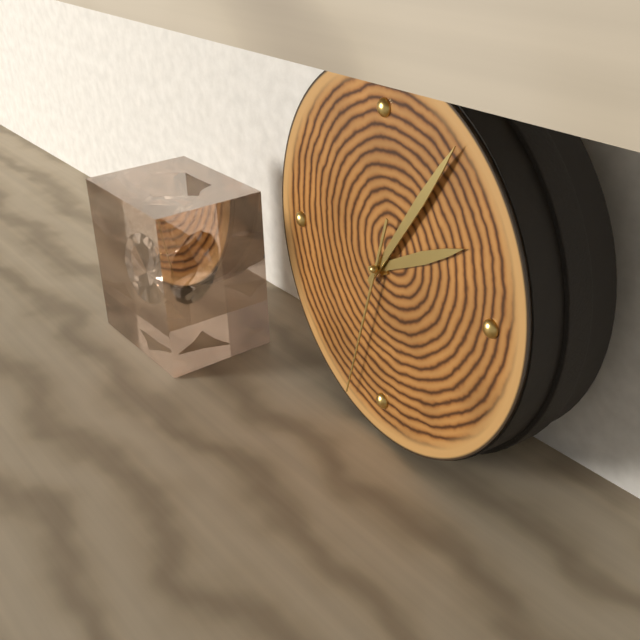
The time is **2:06:33**
